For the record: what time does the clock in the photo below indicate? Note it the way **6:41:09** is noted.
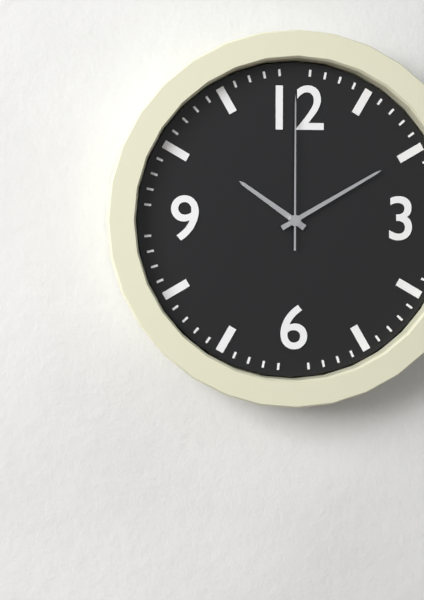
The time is **10:10:00**
